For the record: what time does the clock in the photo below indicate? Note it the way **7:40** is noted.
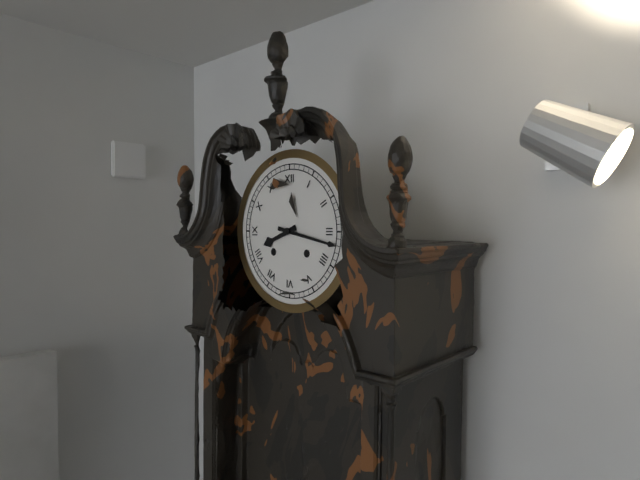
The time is **8:17**
